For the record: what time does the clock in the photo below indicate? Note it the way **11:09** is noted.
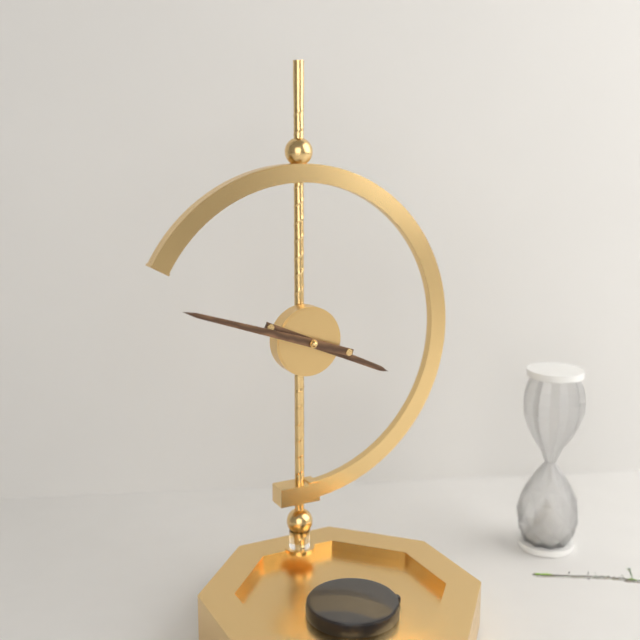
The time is **3:48**
